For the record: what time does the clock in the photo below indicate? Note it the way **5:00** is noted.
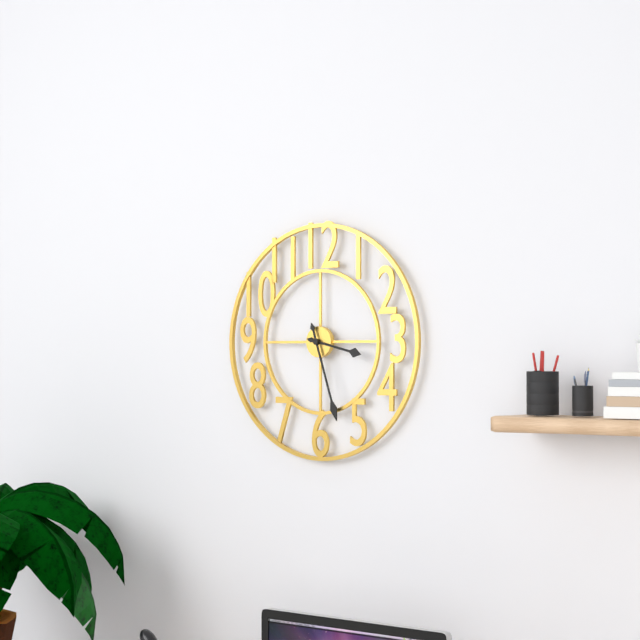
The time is **3:27**
